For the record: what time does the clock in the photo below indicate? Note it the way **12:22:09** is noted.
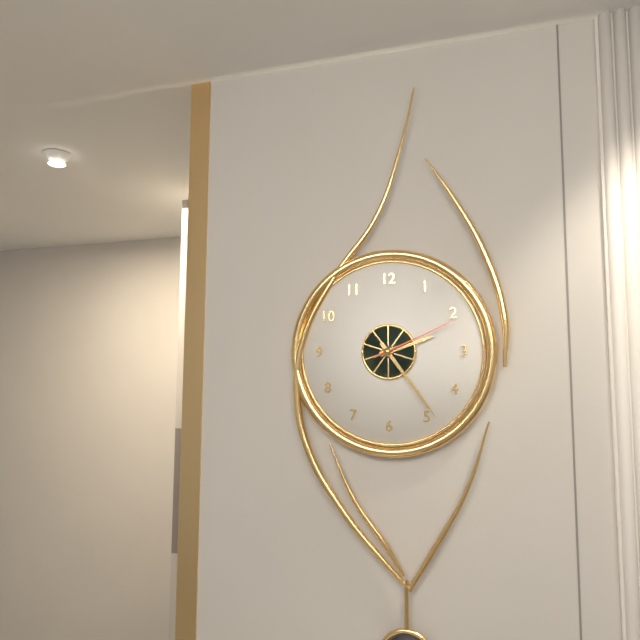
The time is **2:24:11**
